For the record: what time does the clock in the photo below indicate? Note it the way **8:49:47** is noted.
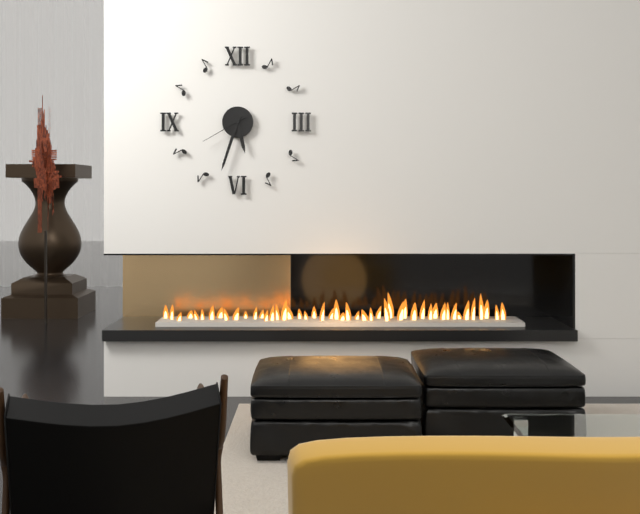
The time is **5:33:40**
